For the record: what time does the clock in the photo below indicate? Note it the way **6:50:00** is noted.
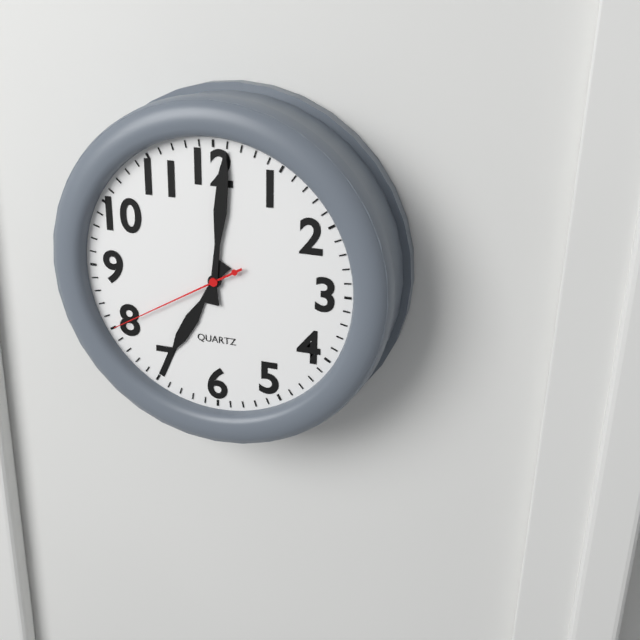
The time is **7:01:40**
